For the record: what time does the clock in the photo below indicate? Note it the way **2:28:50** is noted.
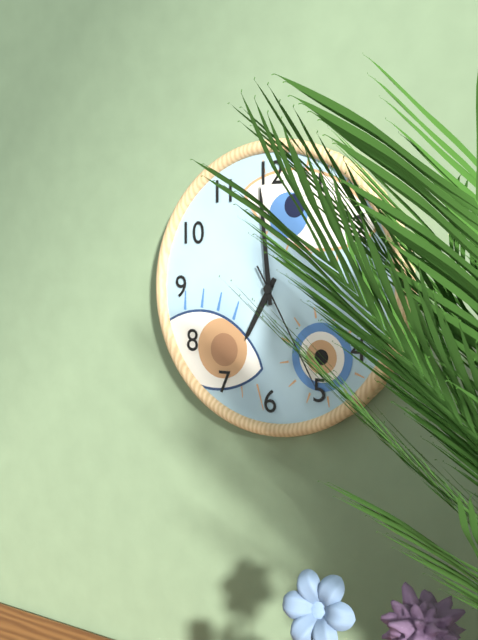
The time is **6:59:25**
